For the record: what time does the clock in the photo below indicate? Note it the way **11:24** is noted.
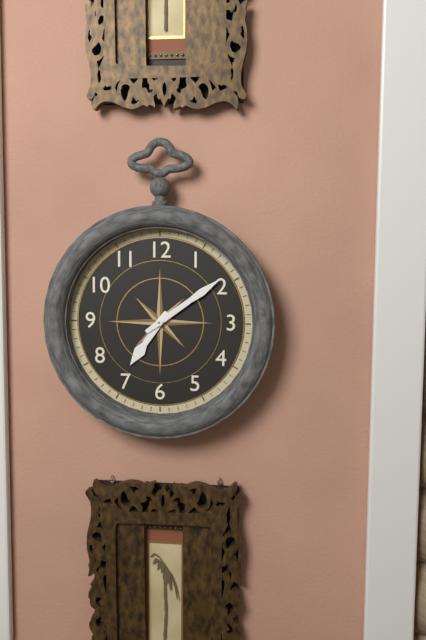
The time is **7:09**
